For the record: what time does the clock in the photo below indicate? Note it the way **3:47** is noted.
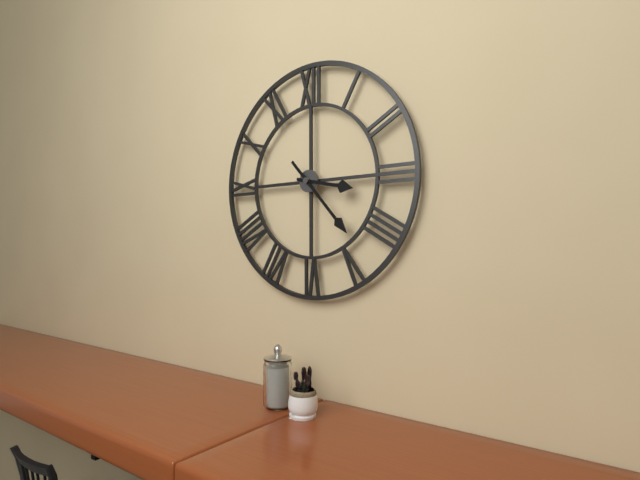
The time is **3:23**
